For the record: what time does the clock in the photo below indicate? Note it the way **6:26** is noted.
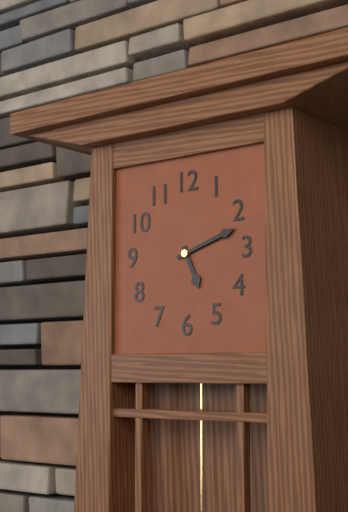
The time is **5:12**
